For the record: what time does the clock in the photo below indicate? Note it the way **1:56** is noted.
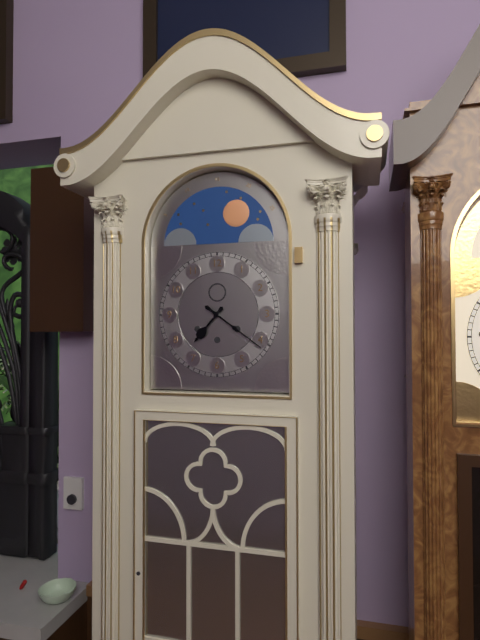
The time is **7:21**
